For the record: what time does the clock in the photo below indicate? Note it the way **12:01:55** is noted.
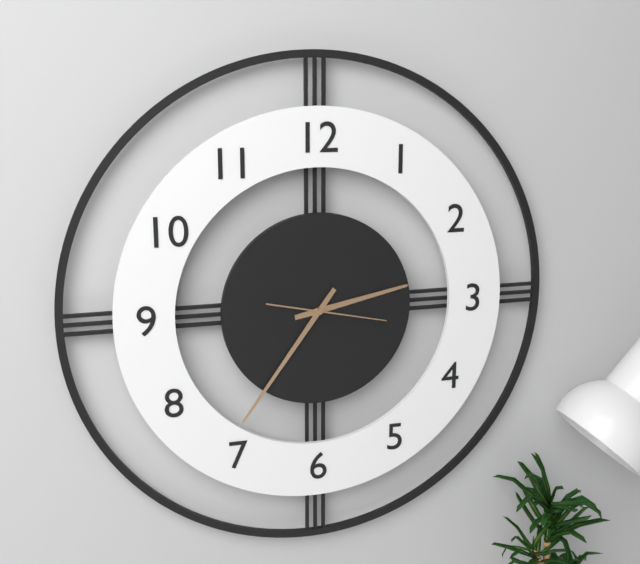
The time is **2:36:17**
